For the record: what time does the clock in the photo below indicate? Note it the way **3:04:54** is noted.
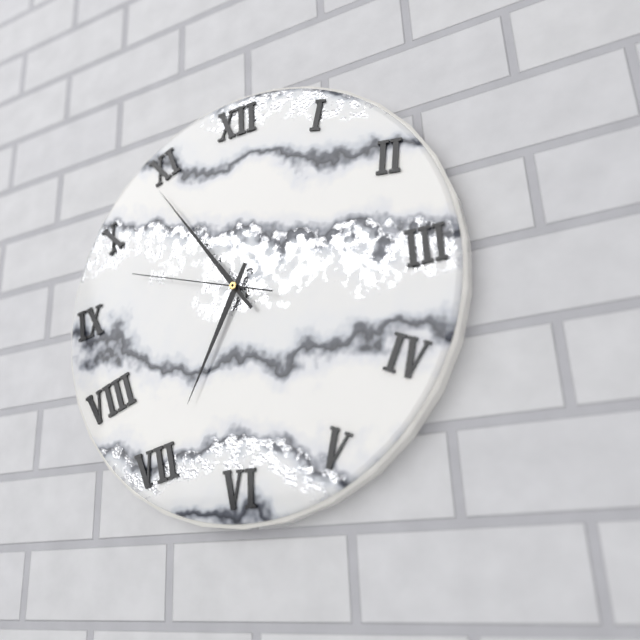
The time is **6:54:48**
